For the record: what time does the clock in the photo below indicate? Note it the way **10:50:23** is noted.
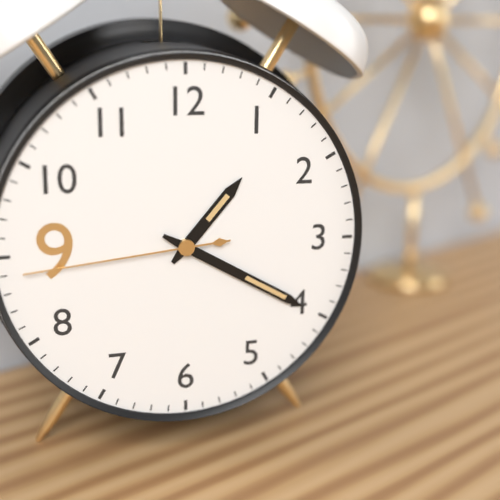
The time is **1:20:44**
